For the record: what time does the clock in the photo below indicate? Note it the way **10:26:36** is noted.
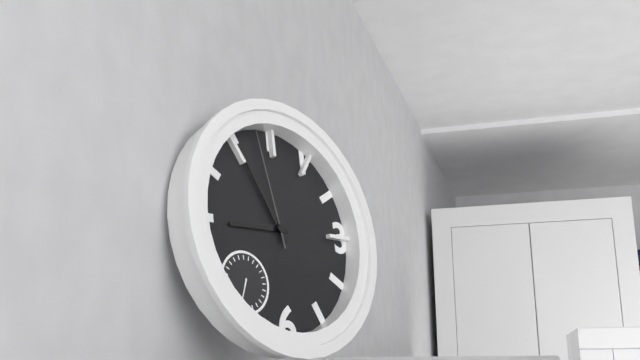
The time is **8:55:58**
